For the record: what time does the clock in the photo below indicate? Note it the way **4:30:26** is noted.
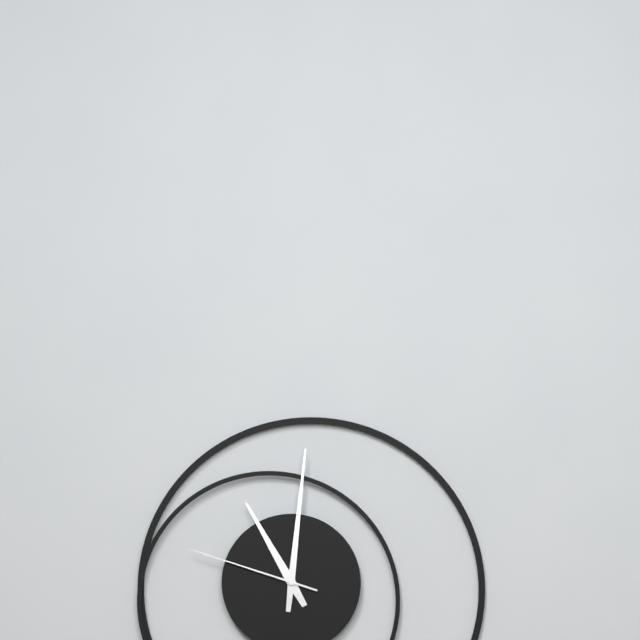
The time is **11:01:48**
